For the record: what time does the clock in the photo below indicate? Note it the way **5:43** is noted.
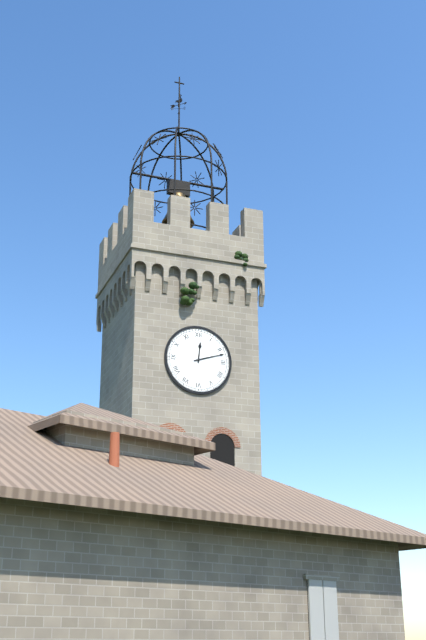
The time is **12:12**
